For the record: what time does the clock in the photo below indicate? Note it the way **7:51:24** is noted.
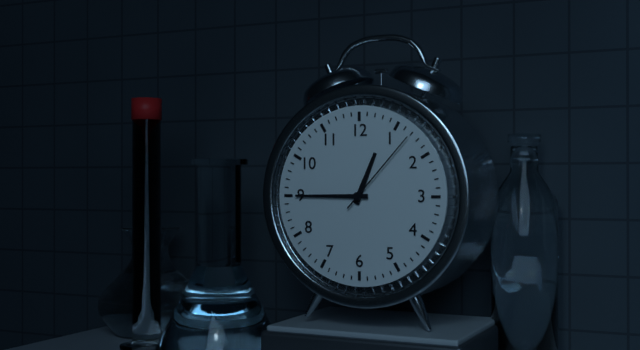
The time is **12:45:07**
